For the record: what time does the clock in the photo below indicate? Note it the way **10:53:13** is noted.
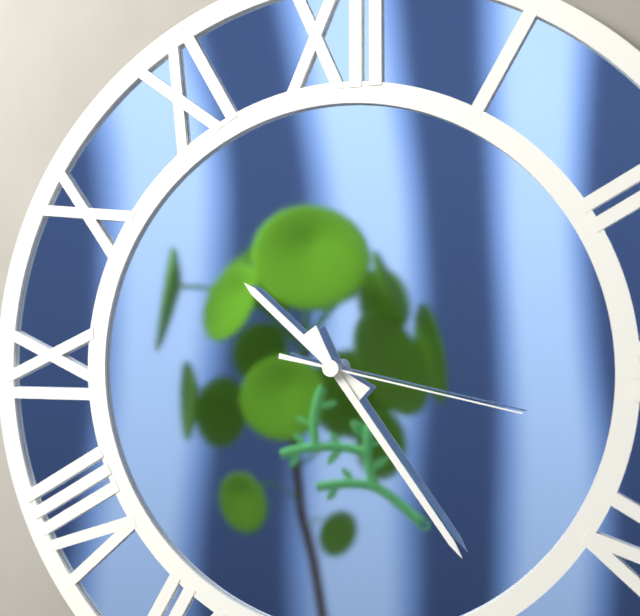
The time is **10:24:17**
